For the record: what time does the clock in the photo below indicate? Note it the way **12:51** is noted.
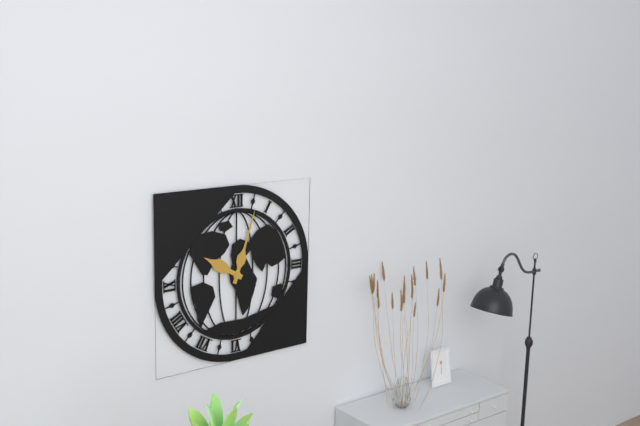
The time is **10:03**
